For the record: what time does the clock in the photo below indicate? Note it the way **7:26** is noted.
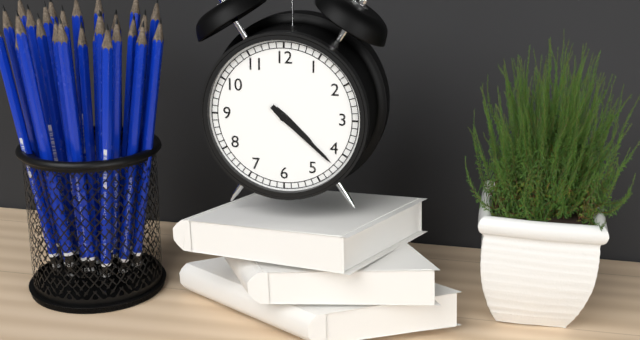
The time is **4:22**
